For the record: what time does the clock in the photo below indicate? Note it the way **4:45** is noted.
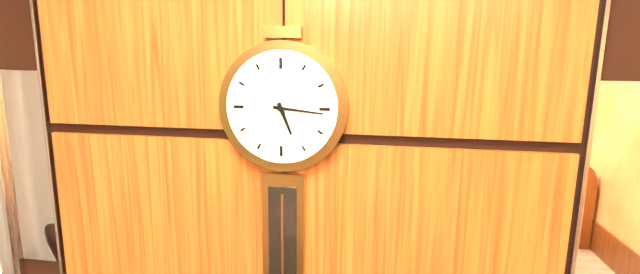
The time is **5:16**
